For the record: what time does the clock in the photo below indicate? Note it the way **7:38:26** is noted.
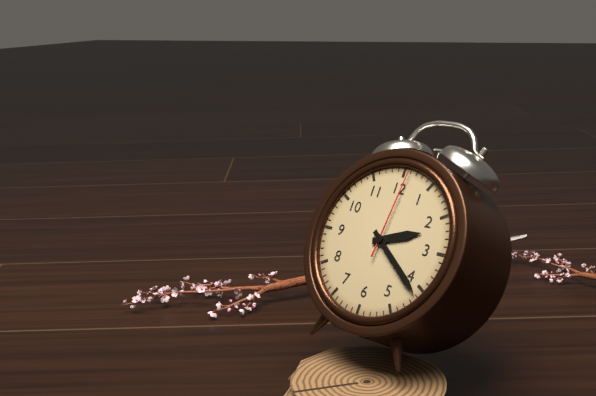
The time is **2:21:01**
